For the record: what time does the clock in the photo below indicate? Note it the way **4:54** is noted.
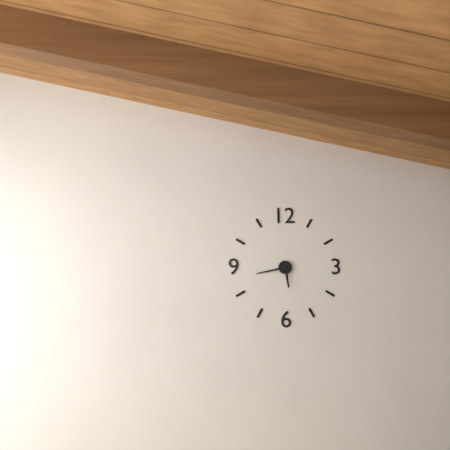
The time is **5:43**
